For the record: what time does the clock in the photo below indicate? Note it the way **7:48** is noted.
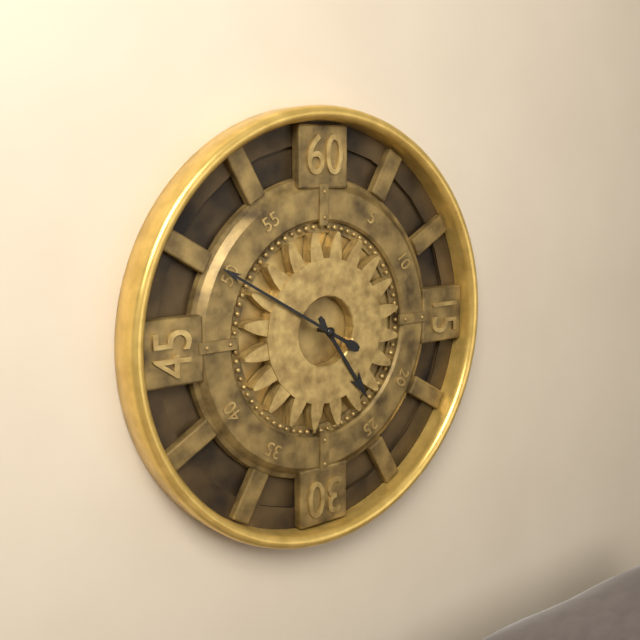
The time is **4:50**
